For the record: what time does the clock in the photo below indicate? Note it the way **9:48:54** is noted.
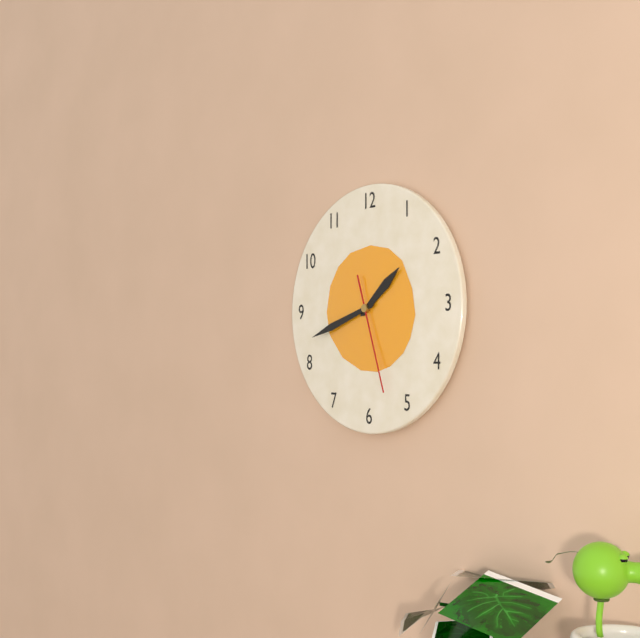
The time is **1:42:27**
